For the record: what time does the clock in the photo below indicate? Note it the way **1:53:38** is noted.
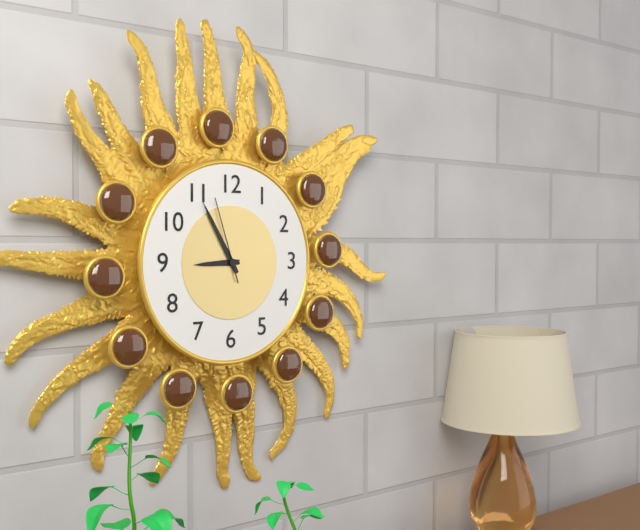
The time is **8:55:57**
